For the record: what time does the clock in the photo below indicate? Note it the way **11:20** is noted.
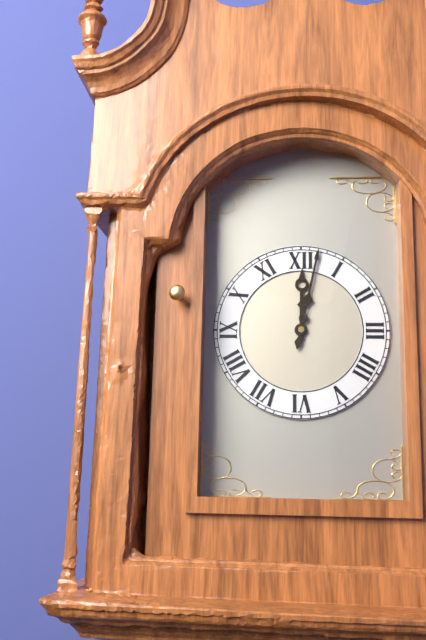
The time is **12:02**
